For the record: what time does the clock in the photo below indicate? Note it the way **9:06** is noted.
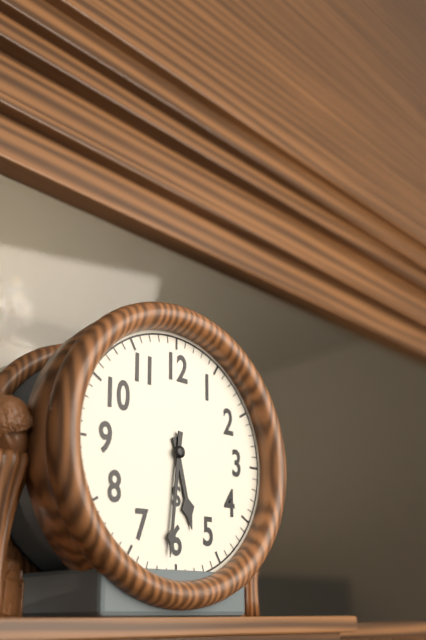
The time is **5:31**
